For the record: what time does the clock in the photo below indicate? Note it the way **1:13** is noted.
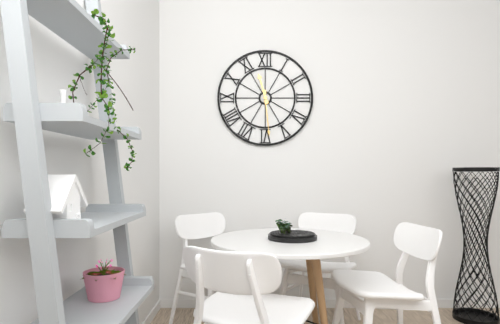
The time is **11:29**
